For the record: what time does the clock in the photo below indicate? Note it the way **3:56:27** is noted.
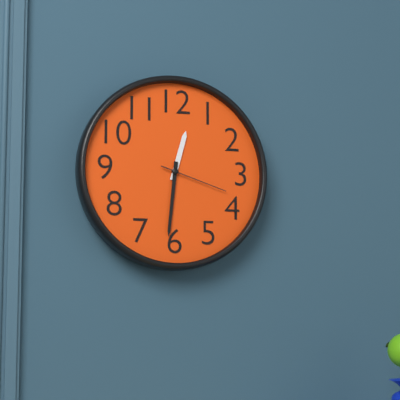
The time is **12:31:18**
